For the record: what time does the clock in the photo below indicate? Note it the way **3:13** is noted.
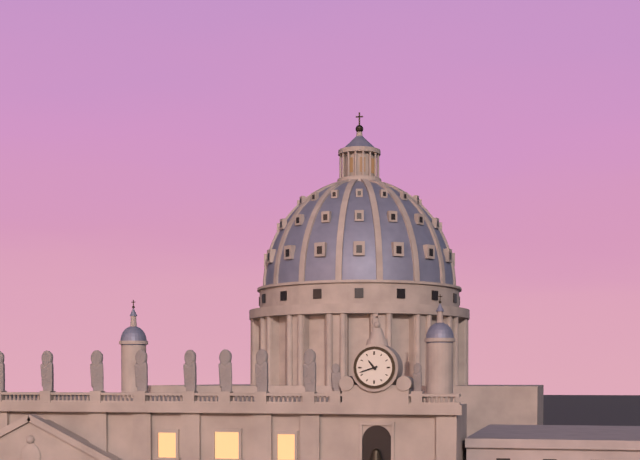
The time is **10:42**
